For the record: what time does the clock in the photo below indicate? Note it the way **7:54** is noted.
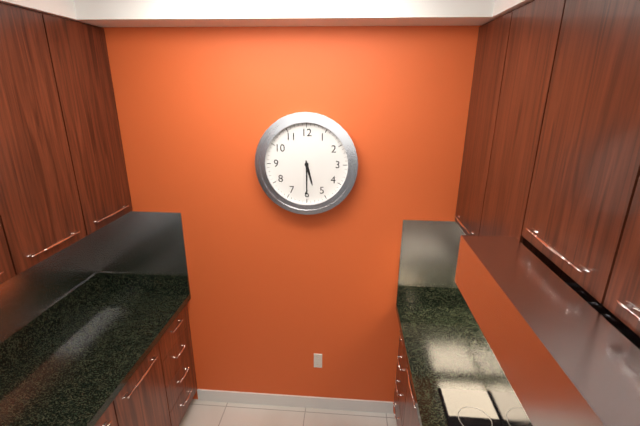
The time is **5:30**
